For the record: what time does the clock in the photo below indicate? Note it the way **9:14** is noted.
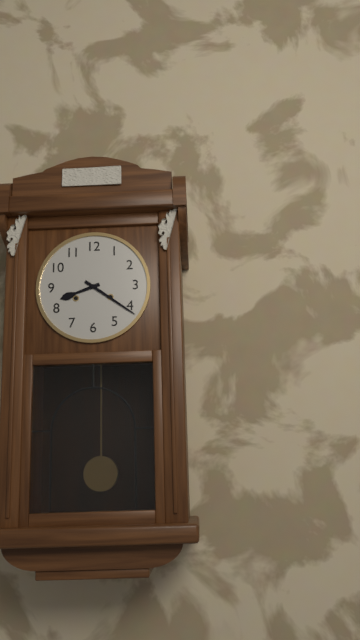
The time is **8:21**
